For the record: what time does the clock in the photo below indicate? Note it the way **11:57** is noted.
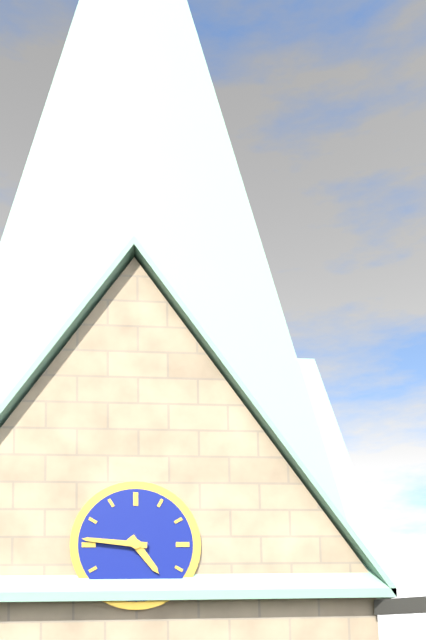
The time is **4:46**
